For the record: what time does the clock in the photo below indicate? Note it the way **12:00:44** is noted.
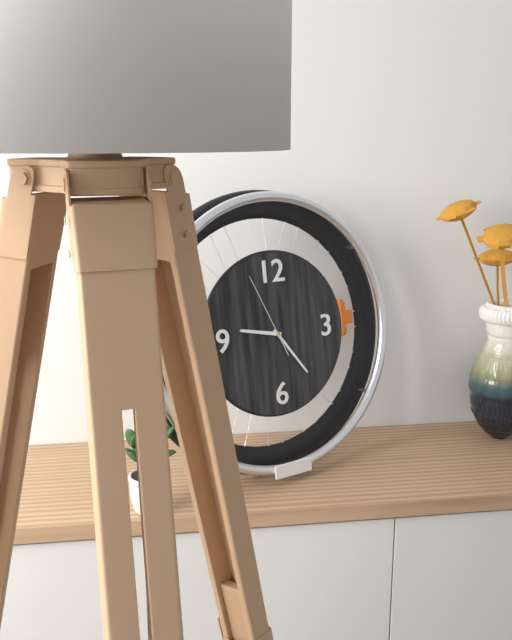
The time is **9:24:56**
